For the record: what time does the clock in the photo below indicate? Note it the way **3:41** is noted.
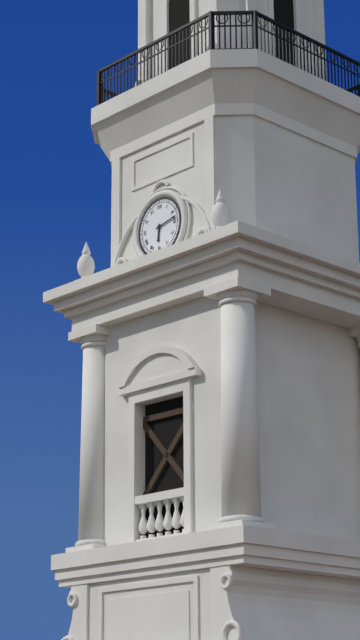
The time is **6:13**
